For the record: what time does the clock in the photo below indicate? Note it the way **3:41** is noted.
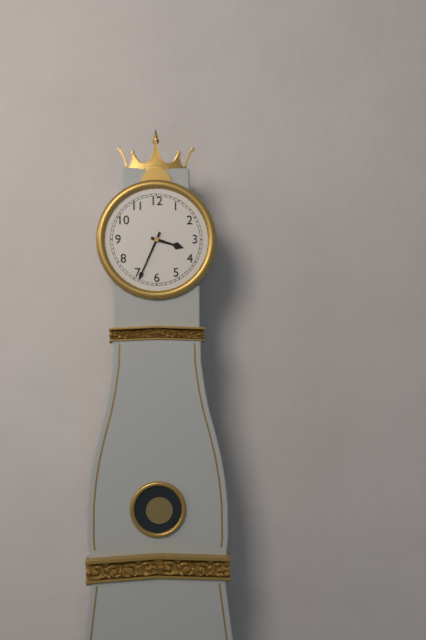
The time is **3:34**
